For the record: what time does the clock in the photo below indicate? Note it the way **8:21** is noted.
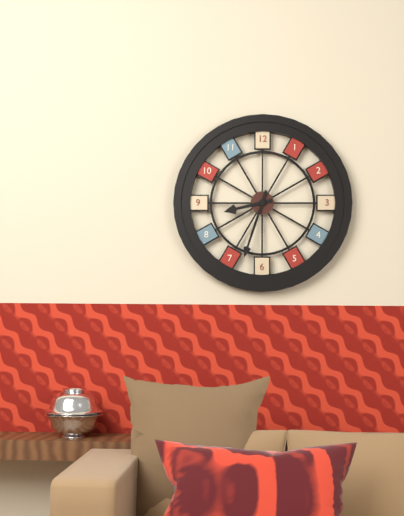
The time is **8:33**
